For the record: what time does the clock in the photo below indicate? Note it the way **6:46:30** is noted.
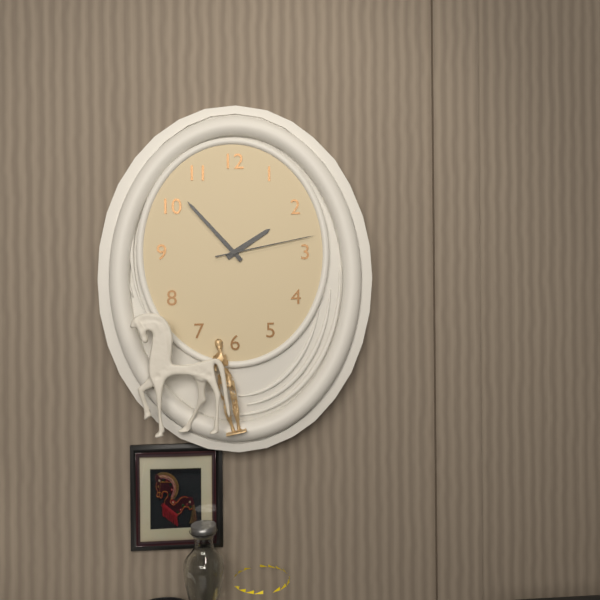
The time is **1:53:13**
